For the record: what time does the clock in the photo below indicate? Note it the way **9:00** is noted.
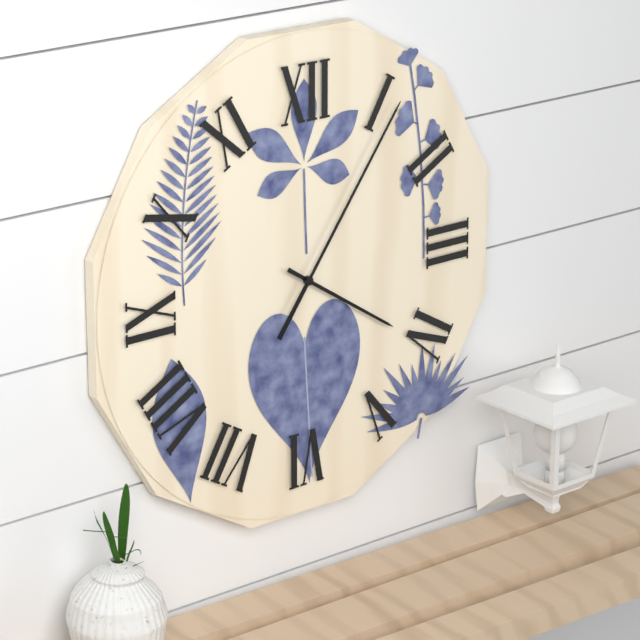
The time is **4:06**
